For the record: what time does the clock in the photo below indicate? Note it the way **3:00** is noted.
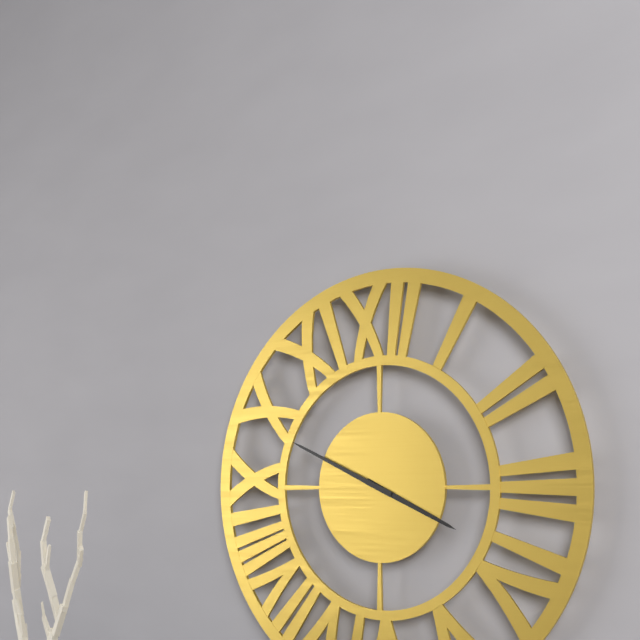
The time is **3:49**
